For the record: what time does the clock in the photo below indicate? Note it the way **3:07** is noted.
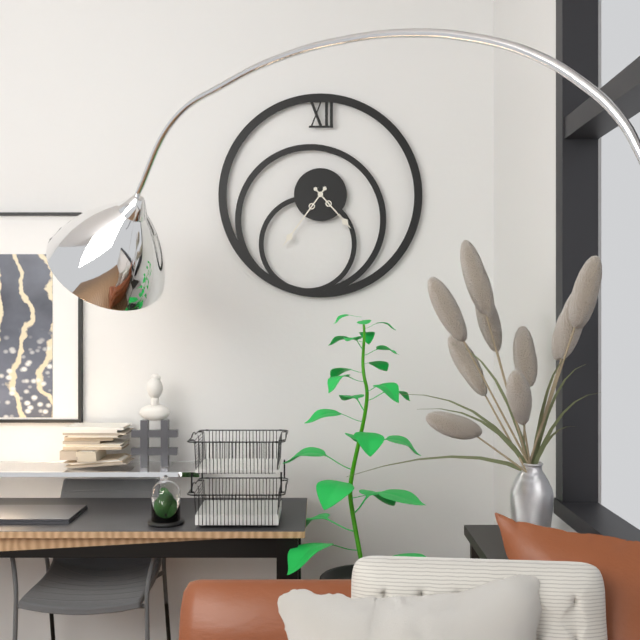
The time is **4:36**
